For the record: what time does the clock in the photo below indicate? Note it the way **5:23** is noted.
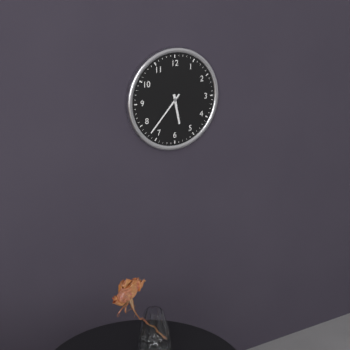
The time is **5:37**
